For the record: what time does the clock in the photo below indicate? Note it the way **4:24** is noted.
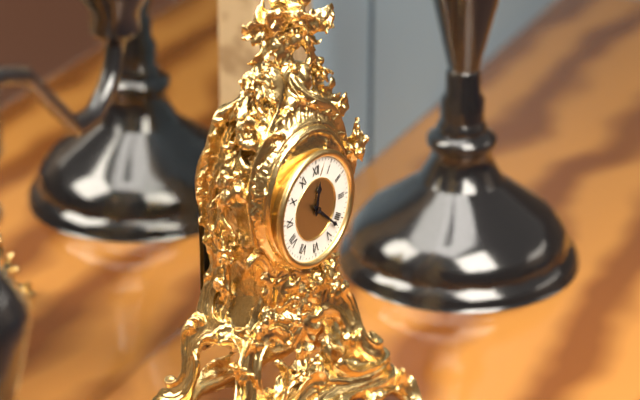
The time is **12:22**
